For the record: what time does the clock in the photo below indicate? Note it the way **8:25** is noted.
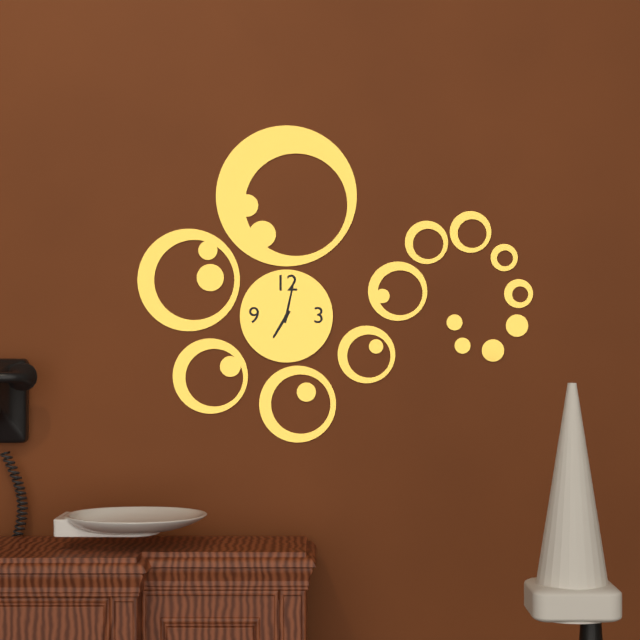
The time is **7:02**
